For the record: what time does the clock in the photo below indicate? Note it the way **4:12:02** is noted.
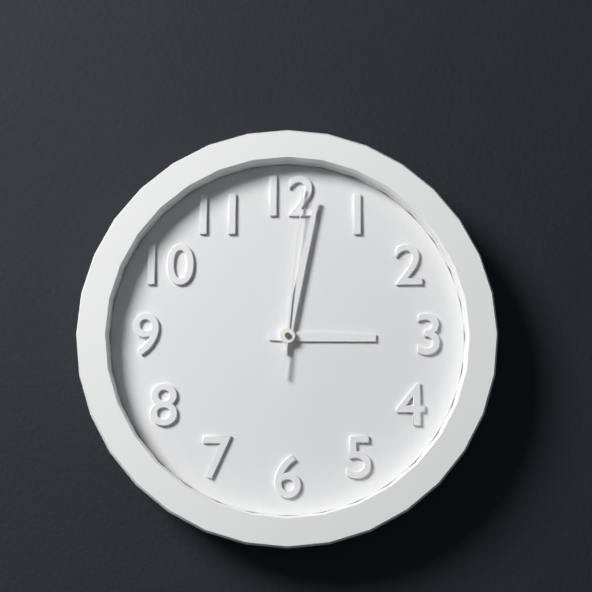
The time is **3:02:01**
